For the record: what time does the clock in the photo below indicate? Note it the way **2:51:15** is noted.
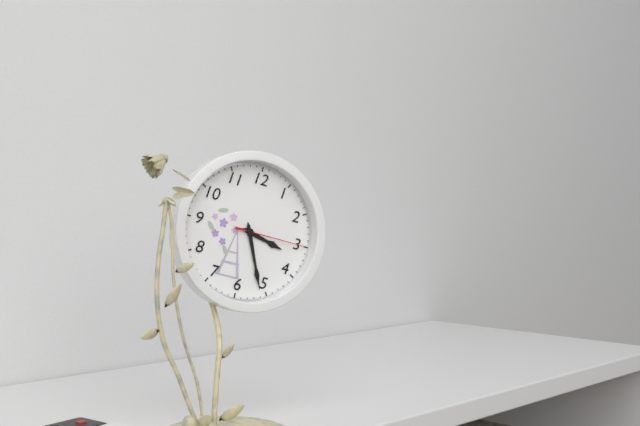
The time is **3:26:15**
